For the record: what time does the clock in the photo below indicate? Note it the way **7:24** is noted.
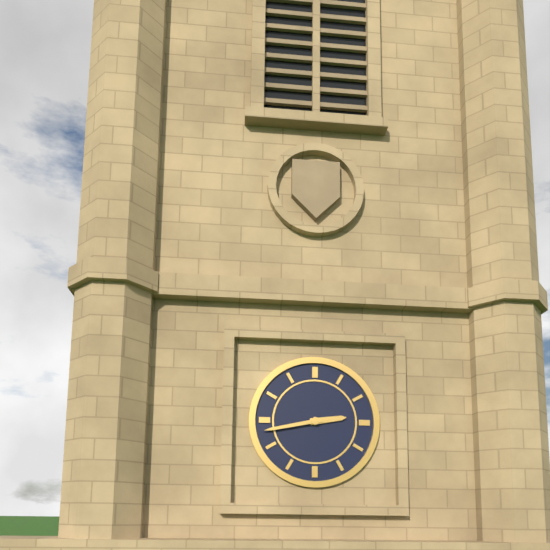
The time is **2:43**
